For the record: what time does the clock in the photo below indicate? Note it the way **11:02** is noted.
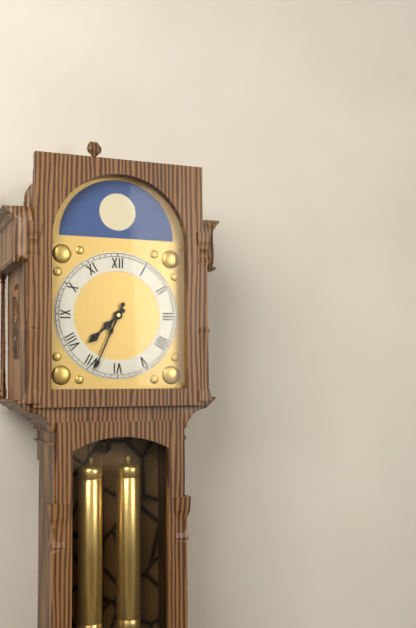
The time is **7:34**
